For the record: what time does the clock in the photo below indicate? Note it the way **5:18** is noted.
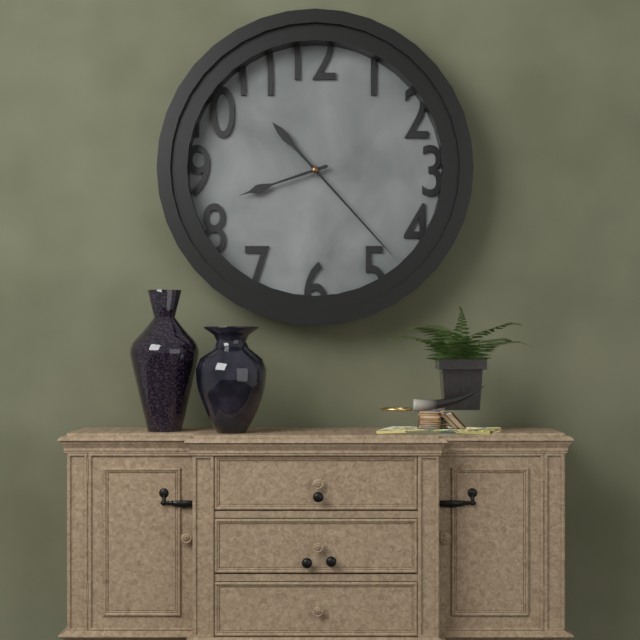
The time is **8:23**
